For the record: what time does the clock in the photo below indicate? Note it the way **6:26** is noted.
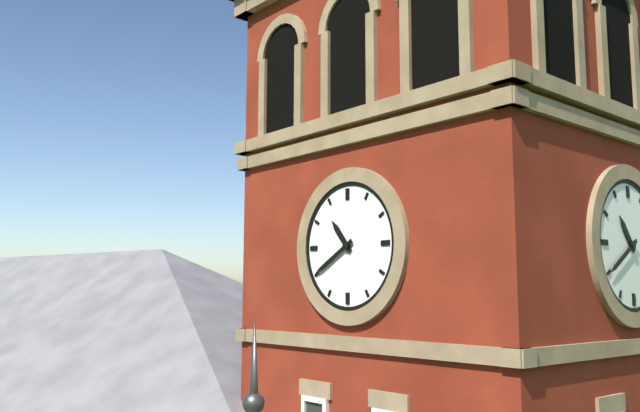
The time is **10:40**
